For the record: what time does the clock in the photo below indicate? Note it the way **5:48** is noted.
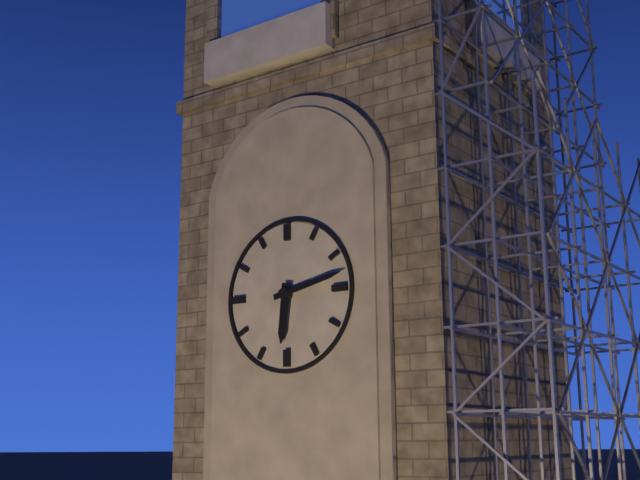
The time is **6:13**
